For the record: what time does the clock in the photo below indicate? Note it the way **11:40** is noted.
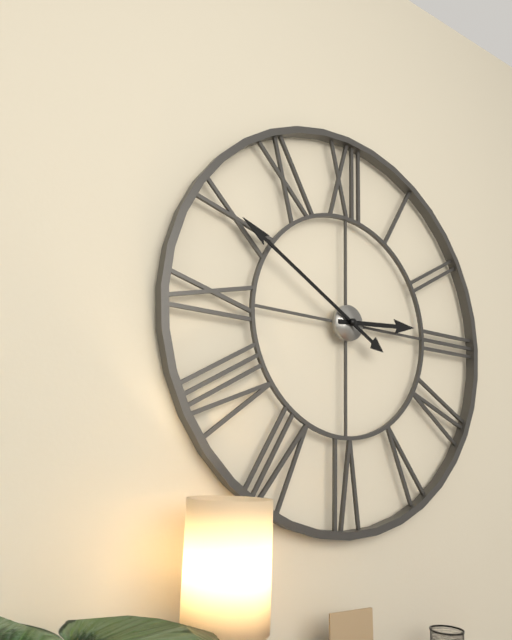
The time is **2:50**
